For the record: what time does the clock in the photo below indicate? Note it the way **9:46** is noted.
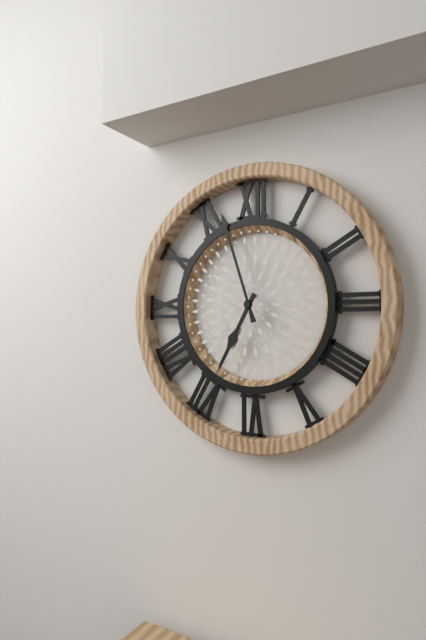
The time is **6:57**
